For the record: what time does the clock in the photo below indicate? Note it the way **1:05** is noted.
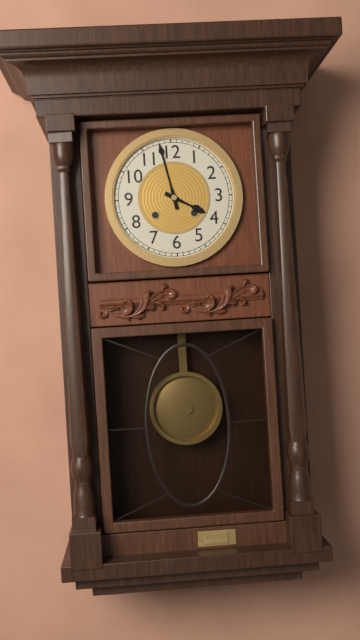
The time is **3:58**
